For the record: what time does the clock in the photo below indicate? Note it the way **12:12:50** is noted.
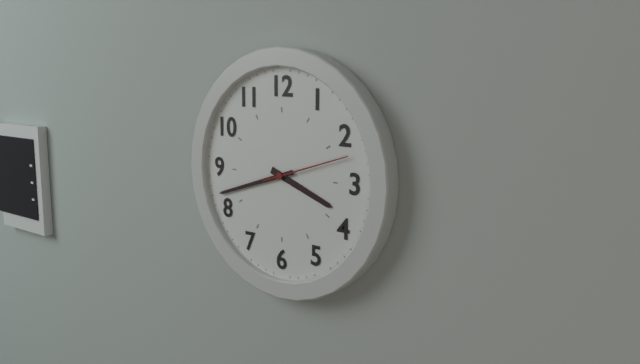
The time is **3:42:12**
